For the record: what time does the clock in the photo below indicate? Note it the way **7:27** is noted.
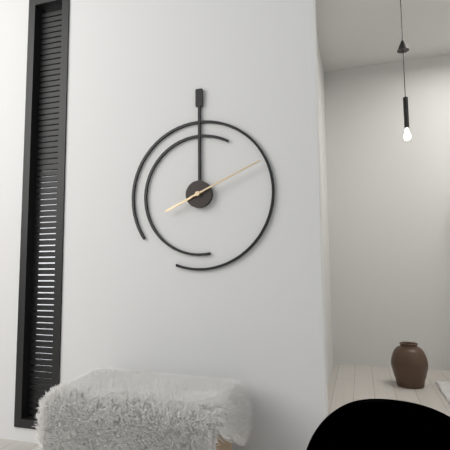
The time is **8:11**
